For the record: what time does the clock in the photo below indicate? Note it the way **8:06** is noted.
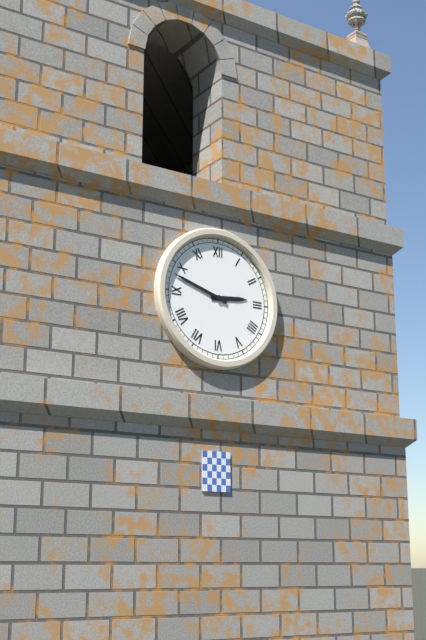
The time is **2:48**
